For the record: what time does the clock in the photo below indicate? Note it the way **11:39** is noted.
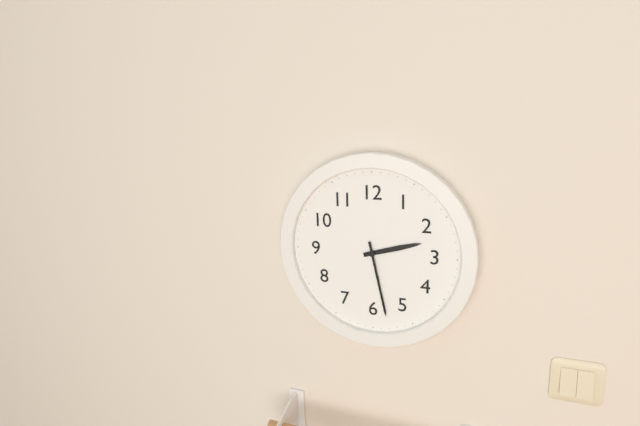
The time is **2:28**
